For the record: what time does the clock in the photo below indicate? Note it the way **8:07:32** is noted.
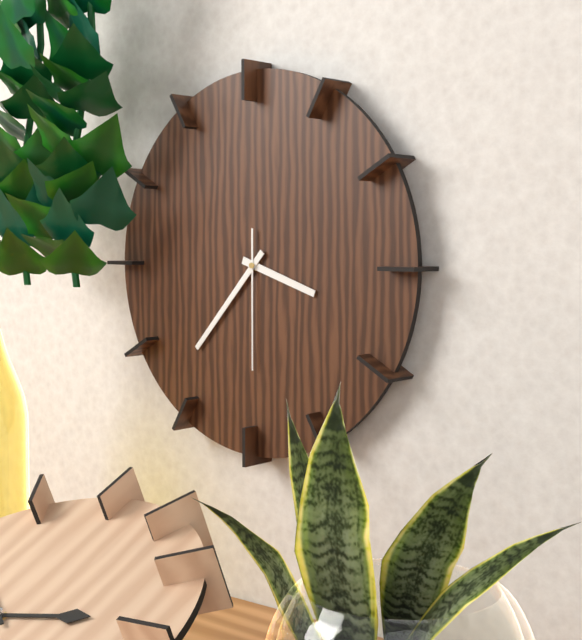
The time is **3:37:30**
